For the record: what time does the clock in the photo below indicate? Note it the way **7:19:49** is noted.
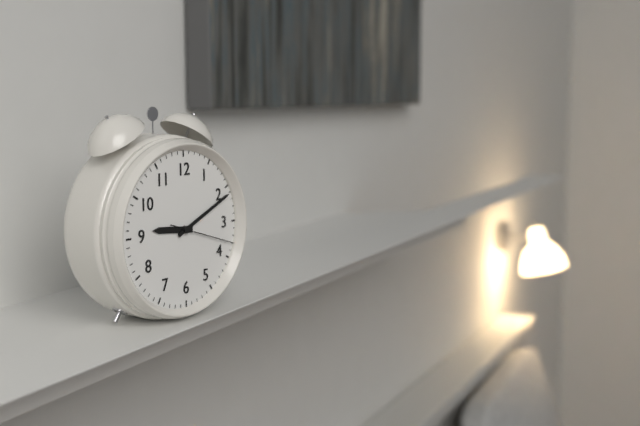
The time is **9:11:18**
